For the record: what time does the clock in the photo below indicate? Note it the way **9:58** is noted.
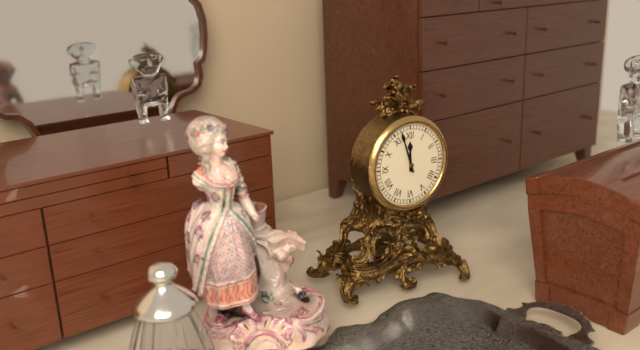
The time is **11:57**
